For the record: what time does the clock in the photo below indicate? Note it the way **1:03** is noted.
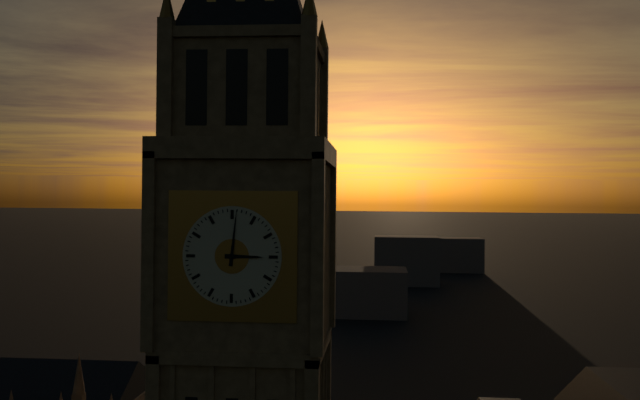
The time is **3:01**
